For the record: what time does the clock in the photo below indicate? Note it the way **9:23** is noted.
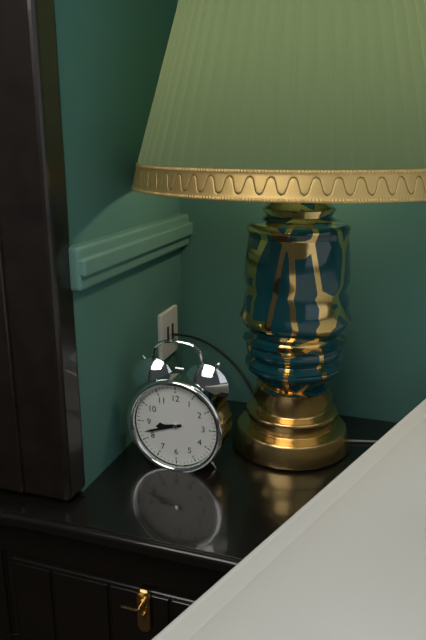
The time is **8:42**
